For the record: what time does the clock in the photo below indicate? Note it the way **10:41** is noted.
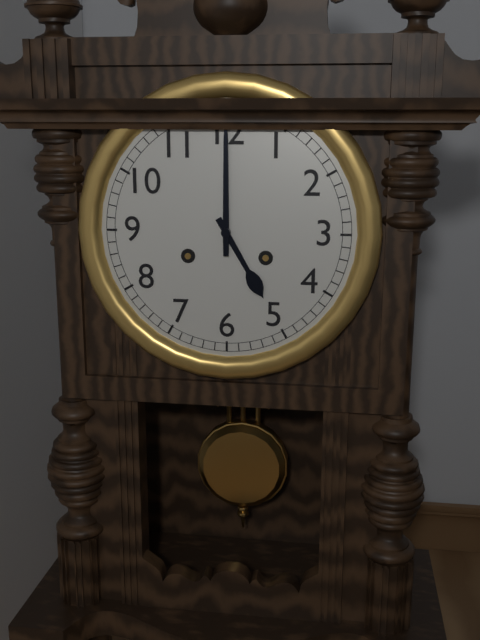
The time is **5:00**
